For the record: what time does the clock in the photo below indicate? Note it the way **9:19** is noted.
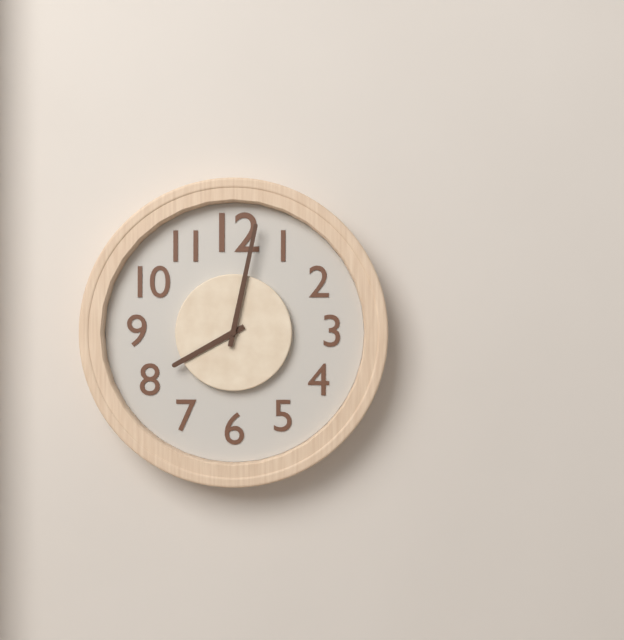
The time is **8:02**
